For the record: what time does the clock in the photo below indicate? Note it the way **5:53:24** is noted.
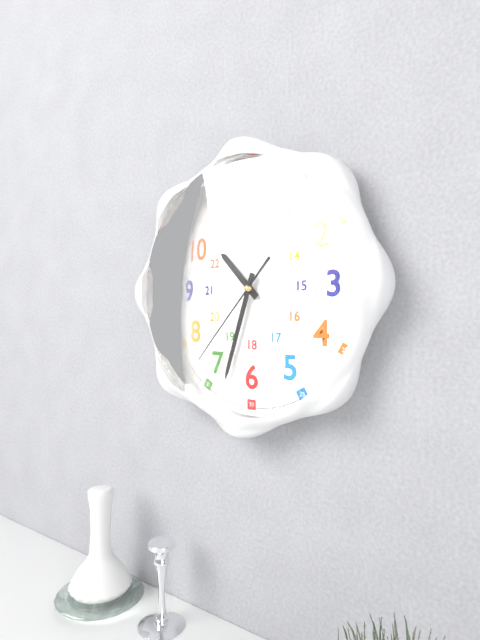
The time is **10:33:37**
